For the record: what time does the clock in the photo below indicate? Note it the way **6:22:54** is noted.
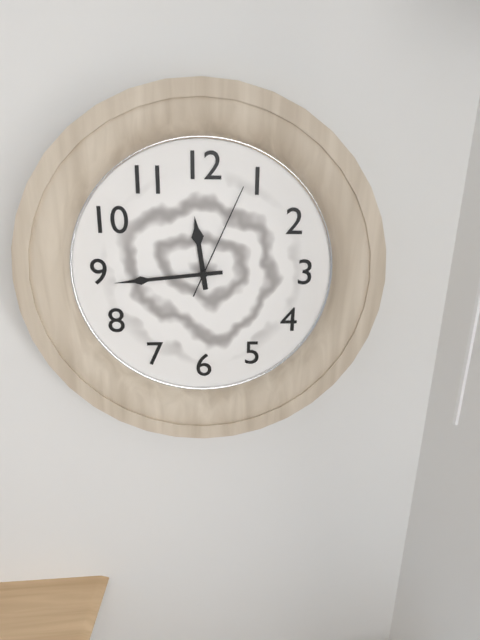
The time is **11:44:04**
